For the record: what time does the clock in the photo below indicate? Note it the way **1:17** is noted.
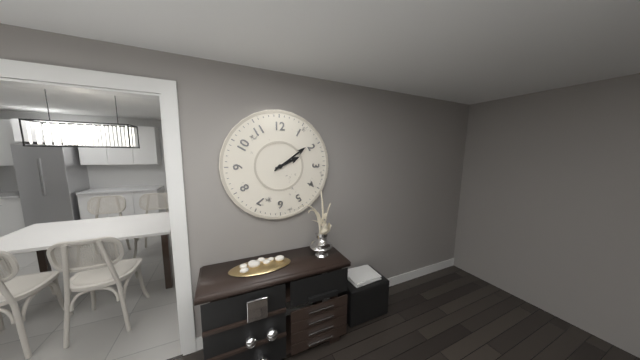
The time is **2:09**
